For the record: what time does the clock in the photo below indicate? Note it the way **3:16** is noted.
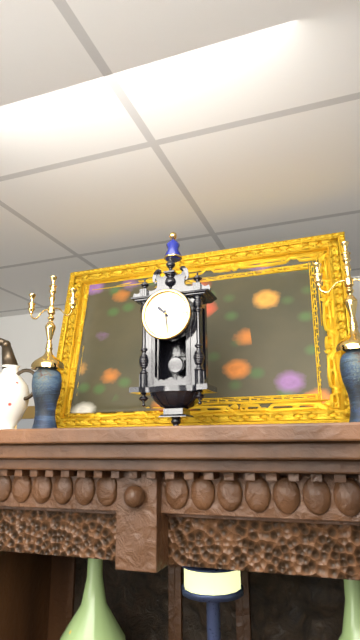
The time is **10:29**
